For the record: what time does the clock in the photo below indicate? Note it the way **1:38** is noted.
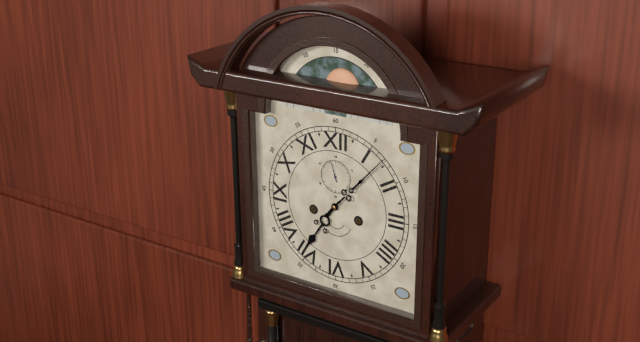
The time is **7:07**
